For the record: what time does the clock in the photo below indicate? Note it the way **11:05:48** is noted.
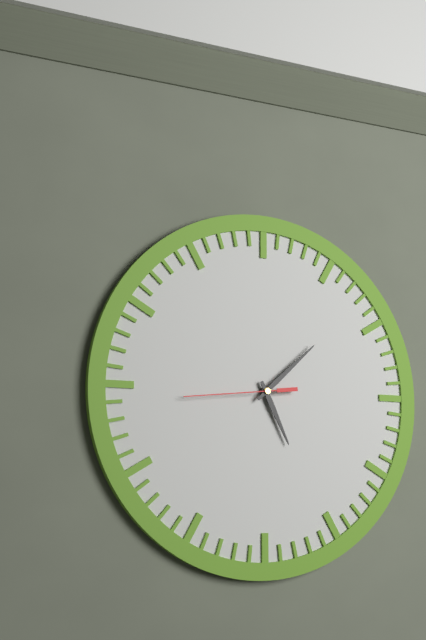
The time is **5:08:44**
